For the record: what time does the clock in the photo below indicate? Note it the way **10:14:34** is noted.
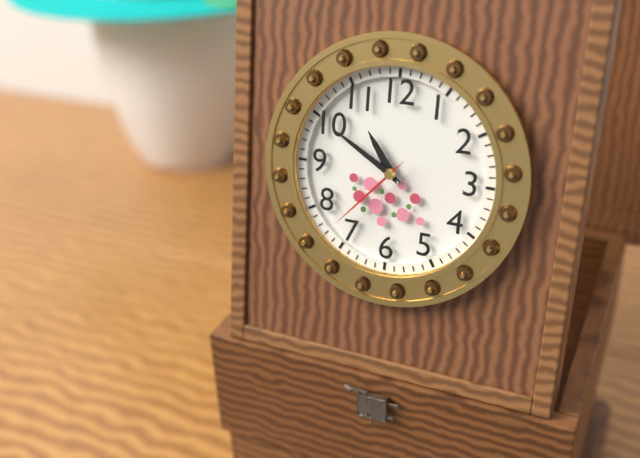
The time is **10:50:37**
